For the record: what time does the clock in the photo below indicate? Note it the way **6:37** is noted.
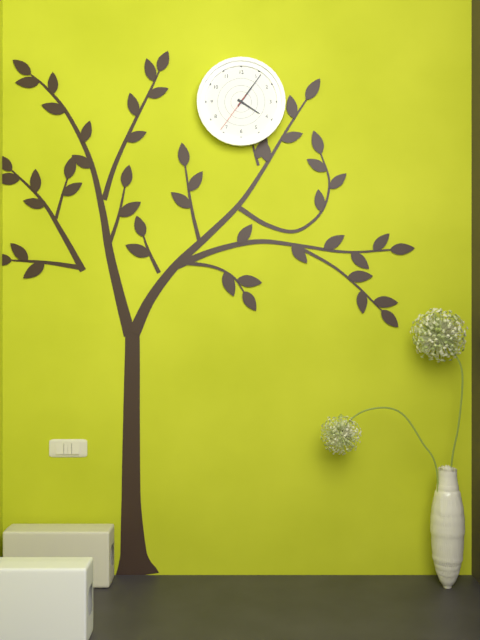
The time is **4:06**
